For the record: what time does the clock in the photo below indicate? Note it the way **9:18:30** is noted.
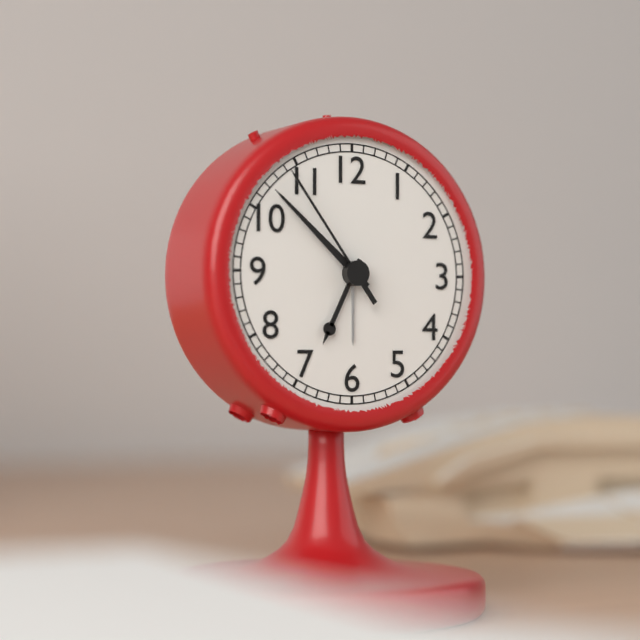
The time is **6:52:54**
